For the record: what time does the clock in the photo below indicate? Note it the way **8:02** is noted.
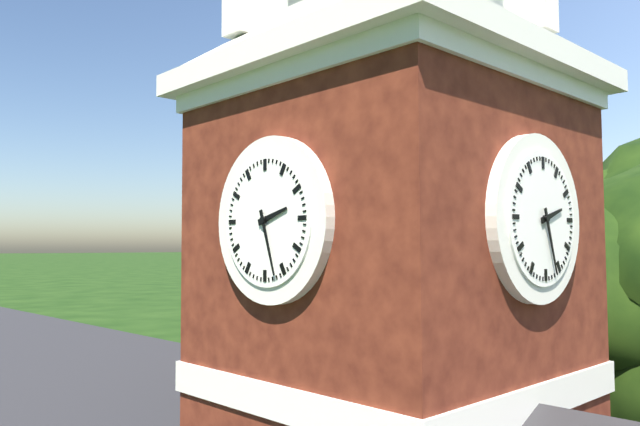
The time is **2:27**
